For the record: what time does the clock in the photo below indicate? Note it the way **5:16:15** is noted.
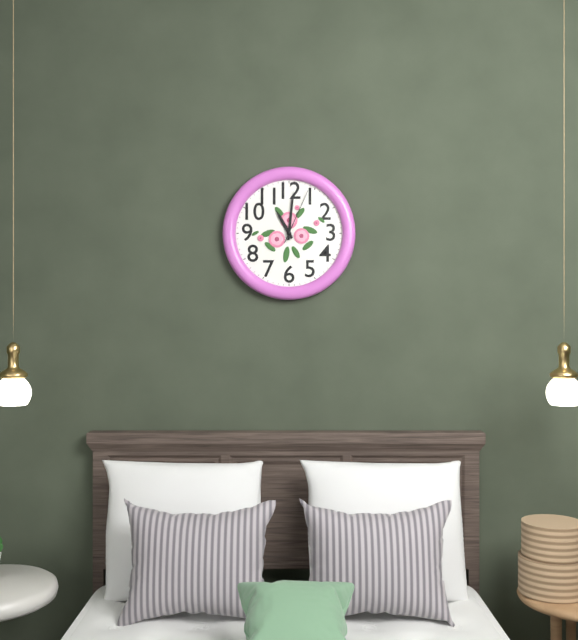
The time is **11:01:04**
